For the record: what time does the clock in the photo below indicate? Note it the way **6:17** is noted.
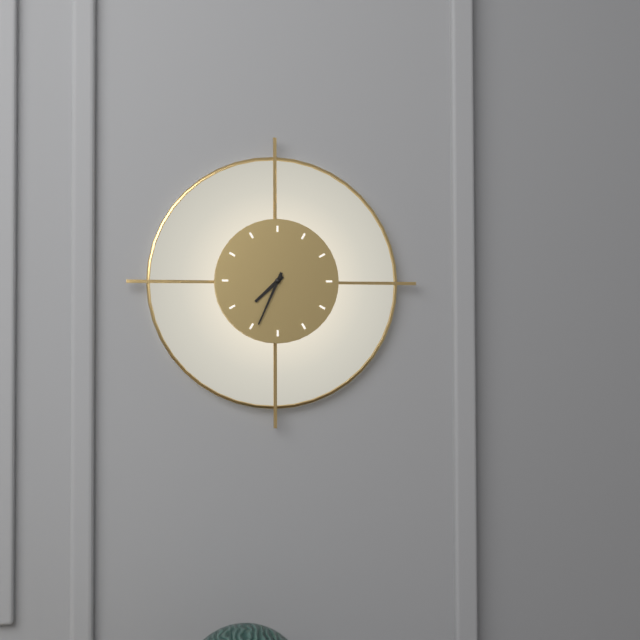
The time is **7:34**
